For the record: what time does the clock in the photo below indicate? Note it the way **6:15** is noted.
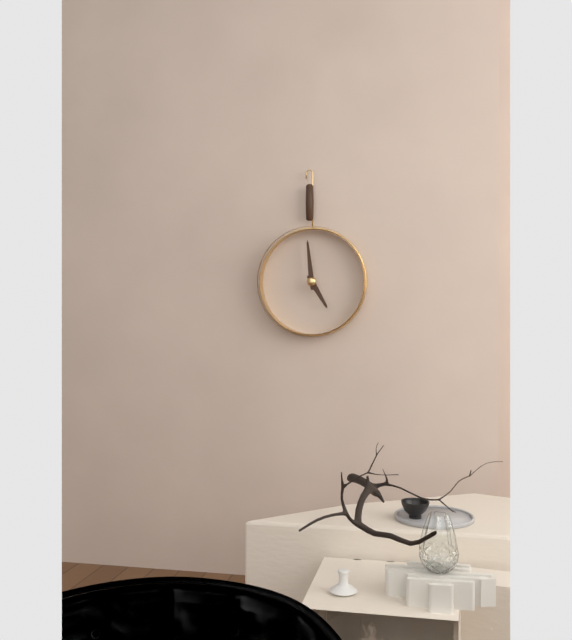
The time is **4:59**
